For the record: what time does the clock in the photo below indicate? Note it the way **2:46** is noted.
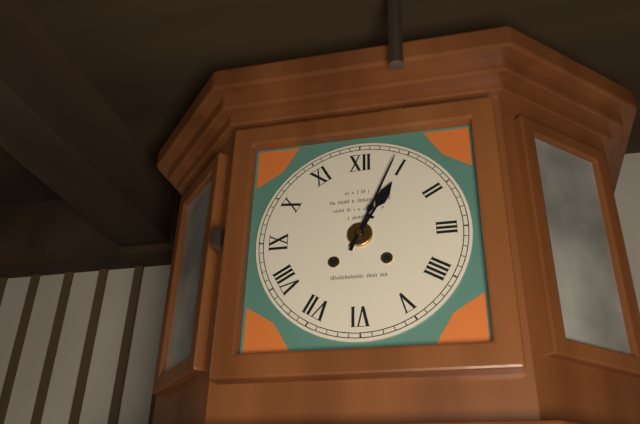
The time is **1:04**
